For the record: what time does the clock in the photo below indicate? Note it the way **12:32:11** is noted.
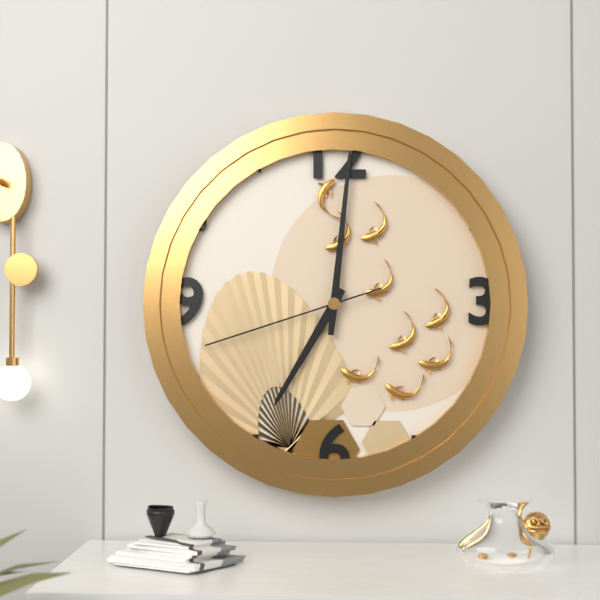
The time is **7:01:42**
